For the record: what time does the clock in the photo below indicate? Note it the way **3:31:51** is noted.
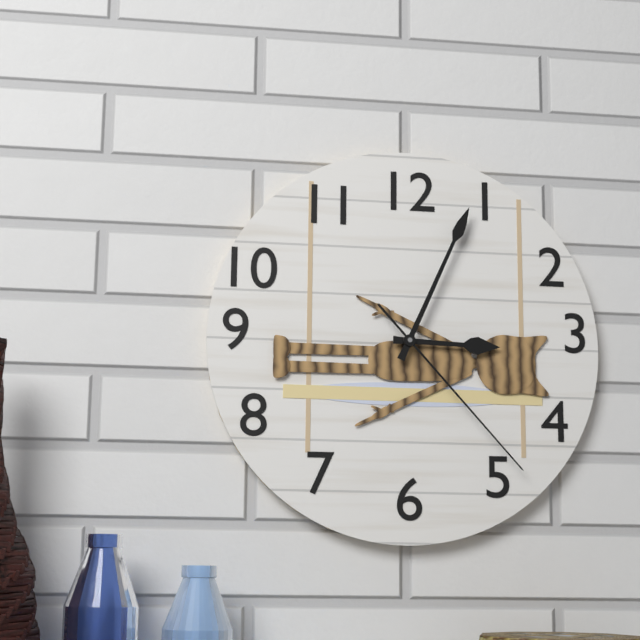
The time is **3:04:23**
